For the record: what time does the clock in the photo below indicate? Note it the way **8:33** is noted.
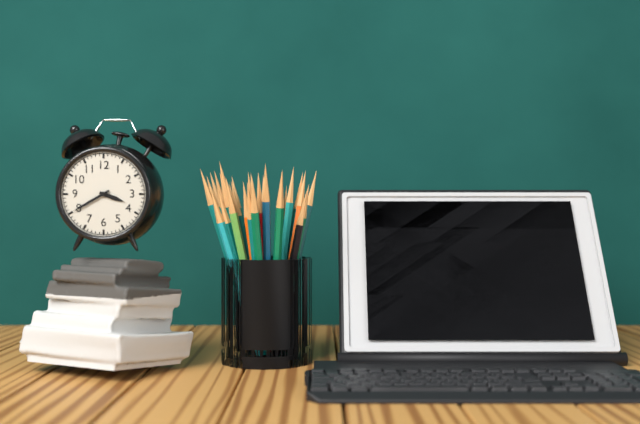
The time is **3:40**
